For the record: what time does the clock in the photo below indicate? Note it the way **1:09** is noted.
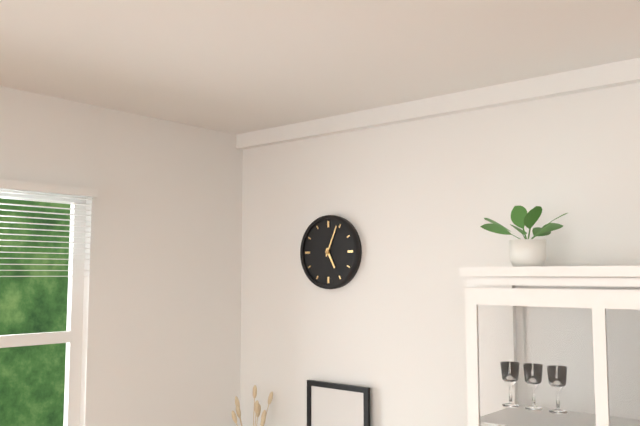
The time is **5:04**
